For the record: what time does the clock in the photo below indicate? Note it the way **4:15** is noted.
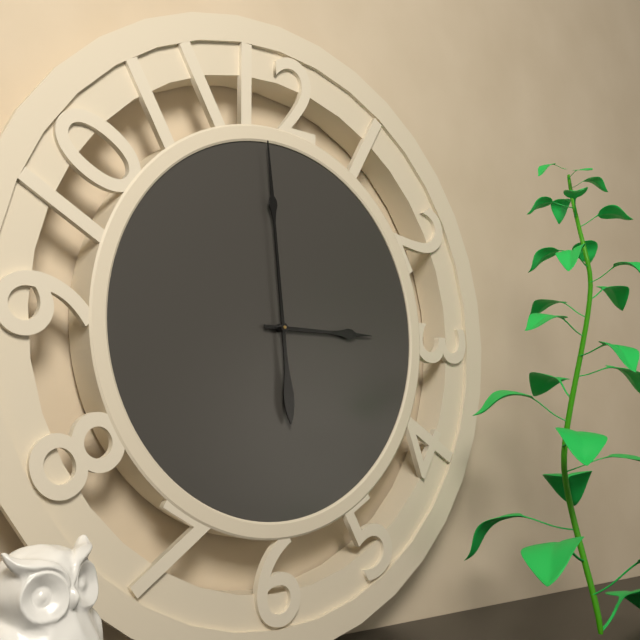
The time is **2:59**
